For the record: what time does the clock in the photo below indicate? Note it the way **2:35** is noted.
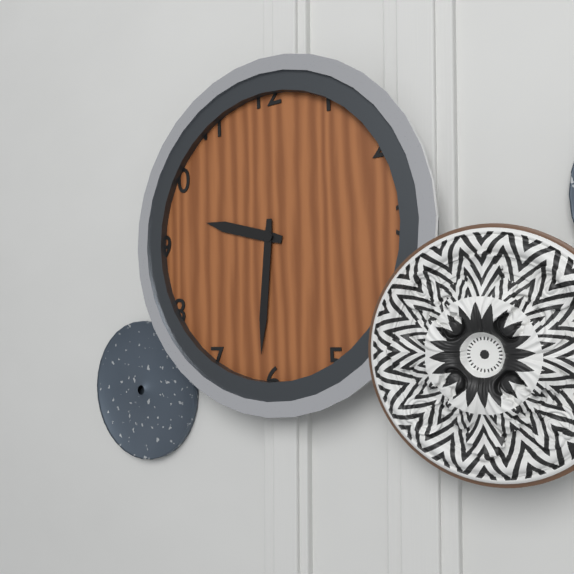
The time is **9:31**
